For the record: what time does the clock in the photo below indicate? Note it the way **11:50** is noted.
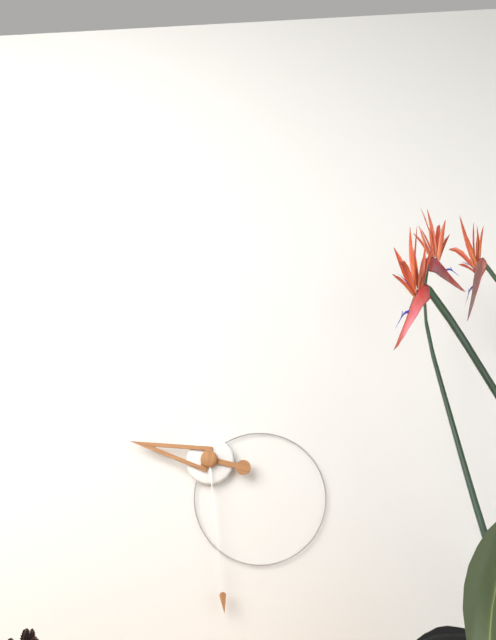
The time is **9:29**
